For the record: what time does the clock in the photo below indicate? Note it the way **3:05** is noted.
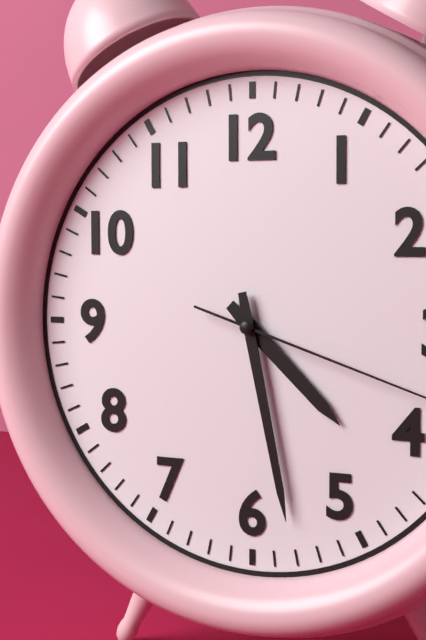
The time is **4:28**
